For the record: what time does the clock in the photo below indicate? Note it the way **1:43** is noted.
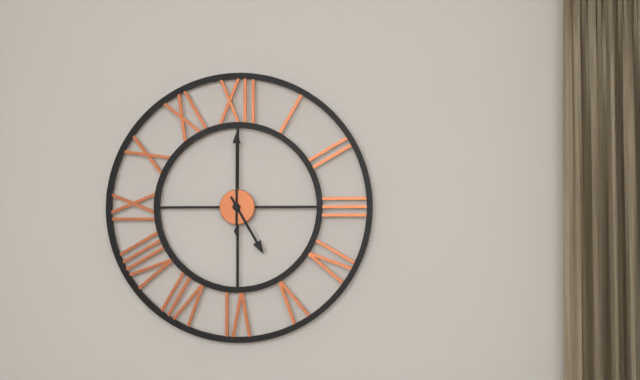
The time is **5:00**
